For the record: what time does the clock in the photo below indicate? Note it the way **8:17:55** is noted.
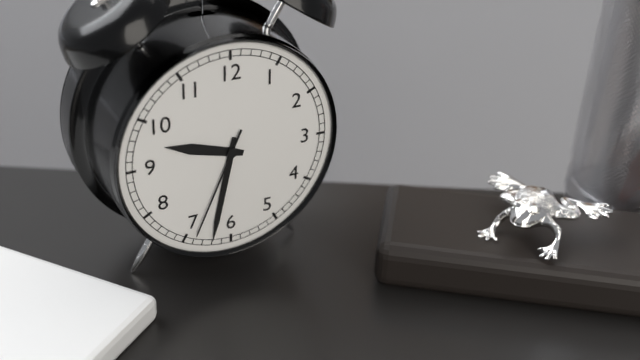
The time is **9:32:34**
